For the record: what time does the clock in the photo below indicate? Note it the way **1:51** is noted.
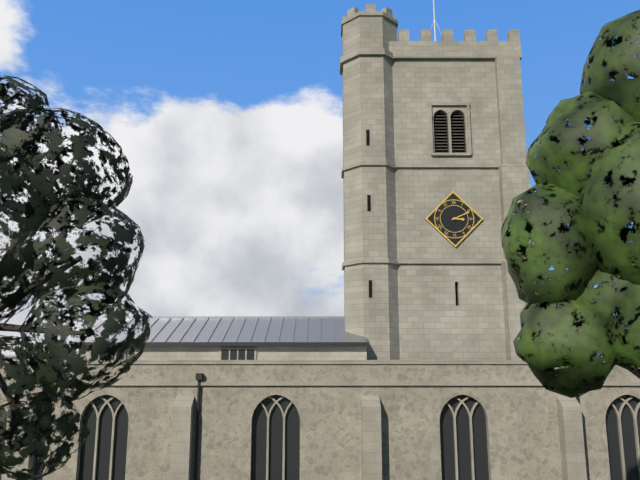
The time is **3:11**
